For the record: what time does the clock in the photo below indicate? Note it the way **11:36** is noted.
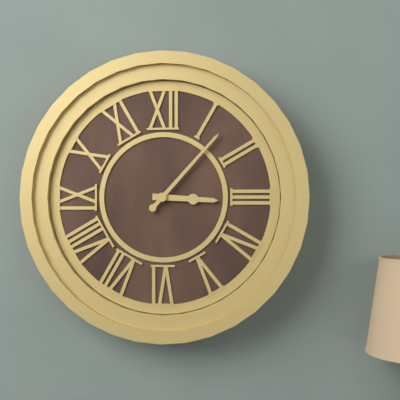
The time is **3:07**
